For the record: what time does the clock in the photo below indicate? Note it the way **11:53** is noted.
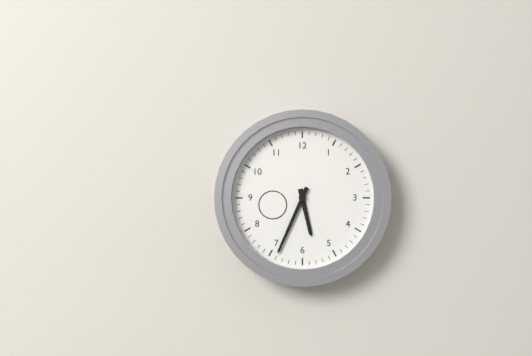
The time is **5:34**
